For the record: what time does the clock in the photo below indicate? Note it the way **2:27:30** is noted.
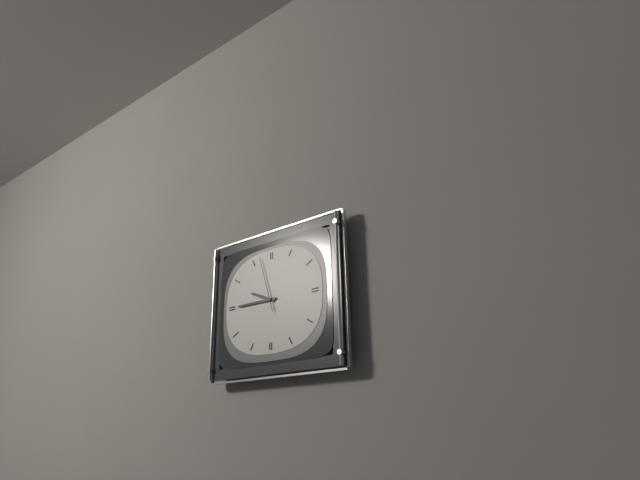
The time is **9:45:57**
